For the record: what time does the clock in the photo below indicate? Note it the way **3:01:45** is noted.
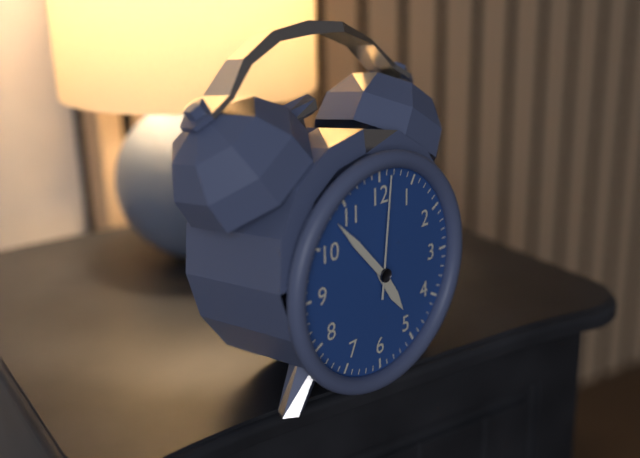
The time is **4:53:01**
